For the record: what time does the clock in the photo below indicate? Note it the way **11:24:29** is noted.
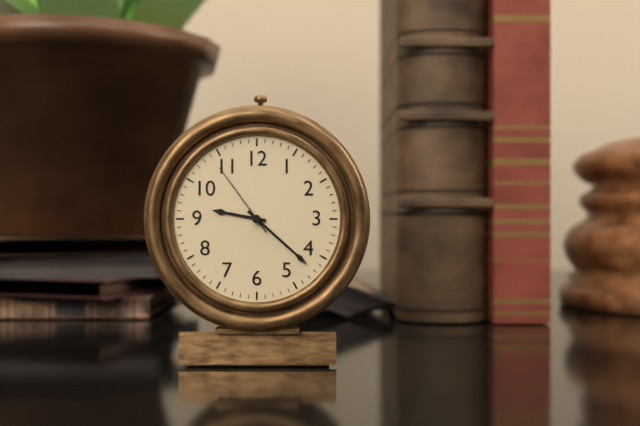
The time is **9:22:54**
